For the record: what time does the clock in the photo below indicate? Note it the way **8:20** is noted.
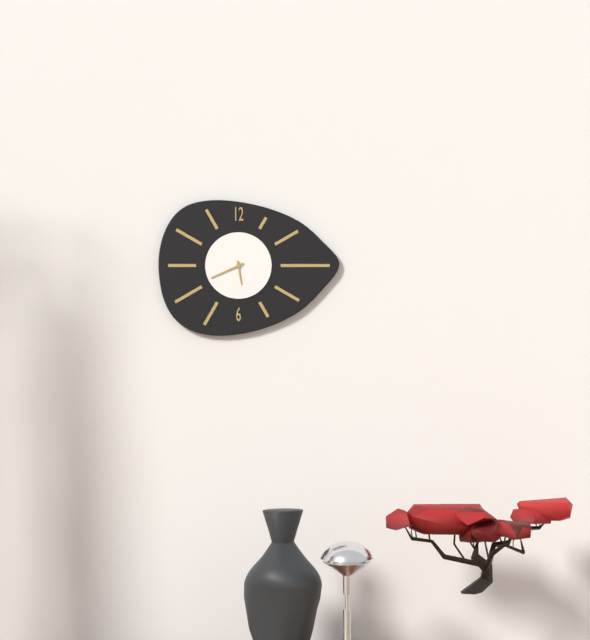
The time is **5:41**
